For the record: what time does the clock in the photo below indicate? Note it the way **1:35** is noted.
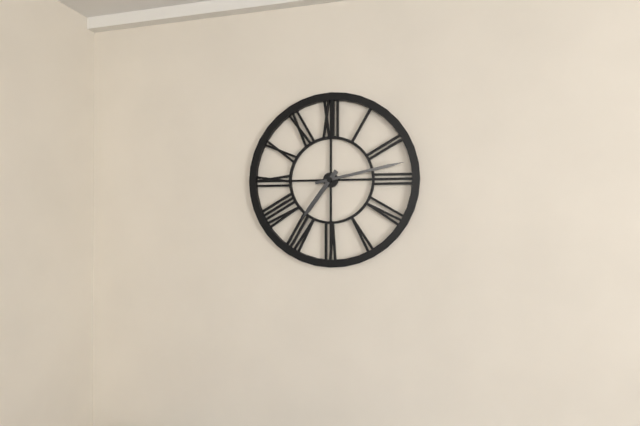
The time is **7:13**
